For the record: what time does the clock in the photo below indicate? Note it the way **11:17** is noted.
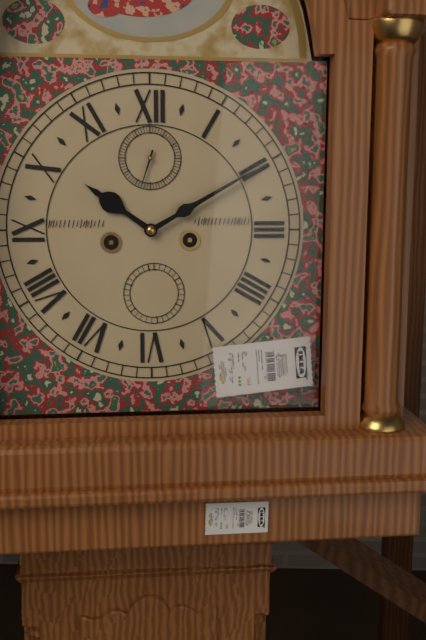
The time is **10:10**
